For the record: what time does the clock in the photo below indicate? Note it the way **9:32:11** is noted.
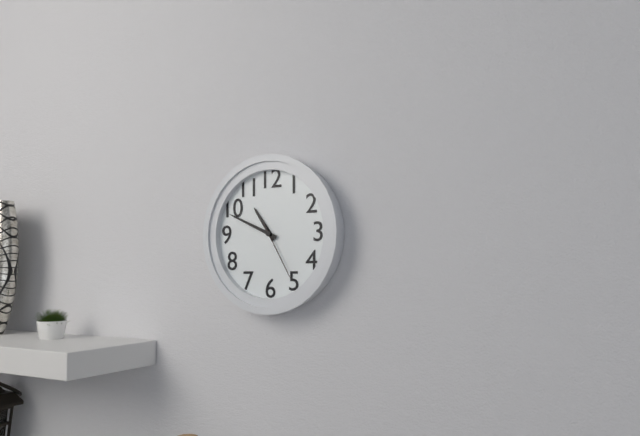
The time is **10:49:25**
